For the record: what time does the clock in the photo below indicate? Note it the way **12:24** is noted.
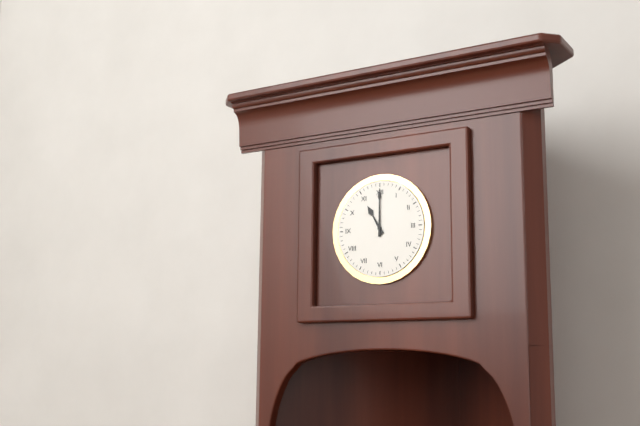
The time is **11:00**
